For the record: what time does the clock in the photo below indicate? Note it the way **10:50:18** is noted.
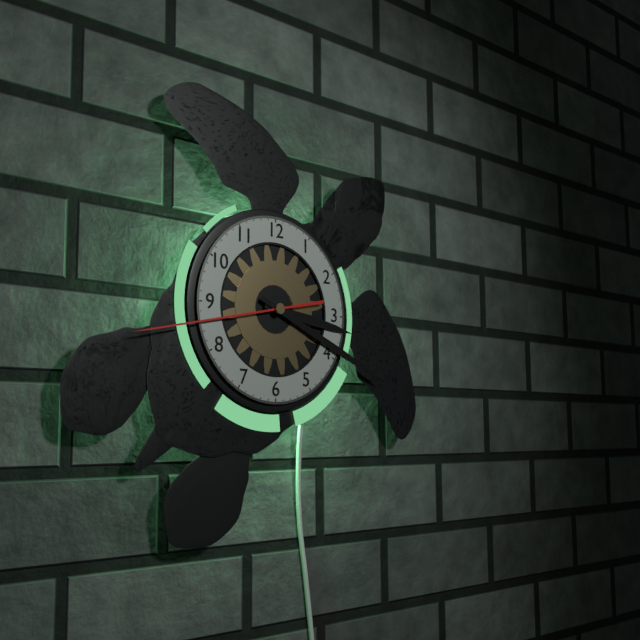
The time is **3:19:43**
